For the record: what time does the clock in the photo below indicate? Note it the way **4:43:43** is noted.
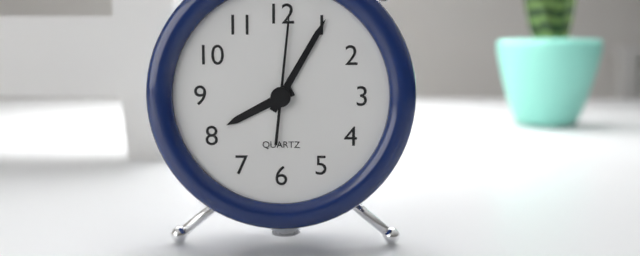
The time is **8:05:01**
